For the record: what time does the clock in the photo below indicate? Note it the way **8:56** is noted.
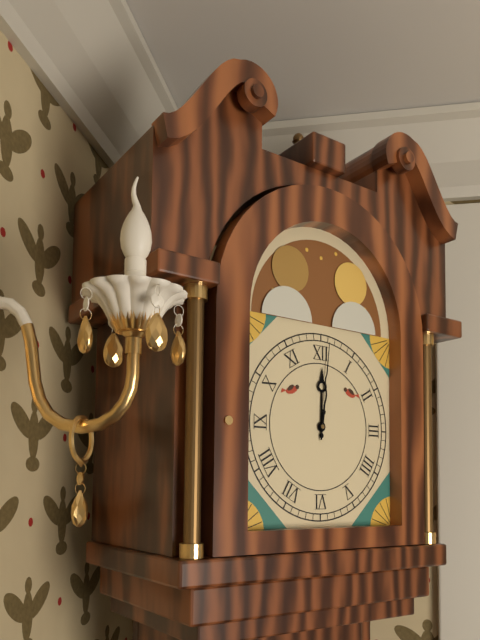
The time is **12:01**
